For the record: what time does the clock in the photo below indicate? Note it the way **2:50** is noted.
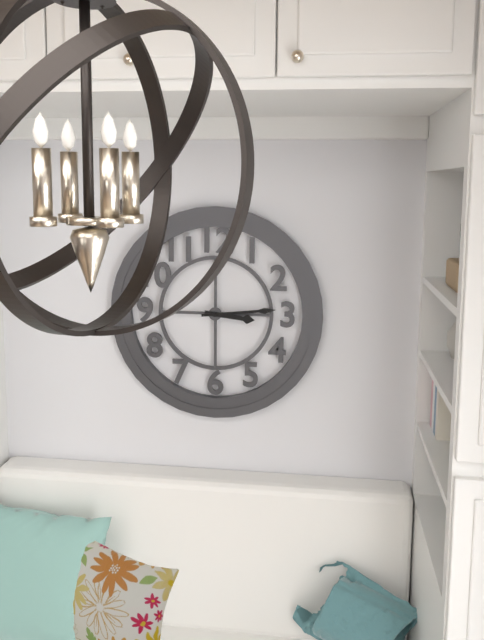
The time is **3:14**
